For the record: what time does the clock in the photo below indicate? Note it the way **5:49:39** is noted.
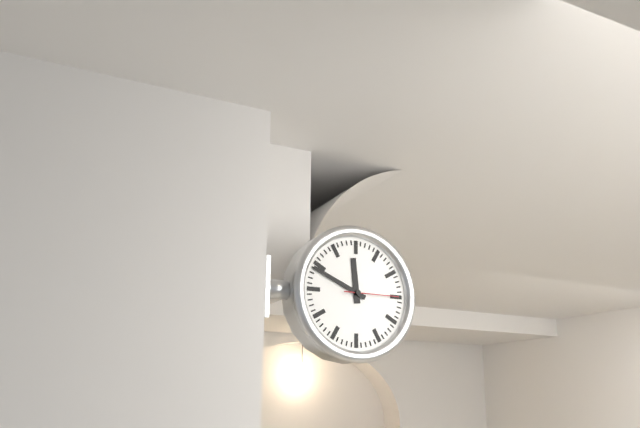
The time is **11:49:15**
